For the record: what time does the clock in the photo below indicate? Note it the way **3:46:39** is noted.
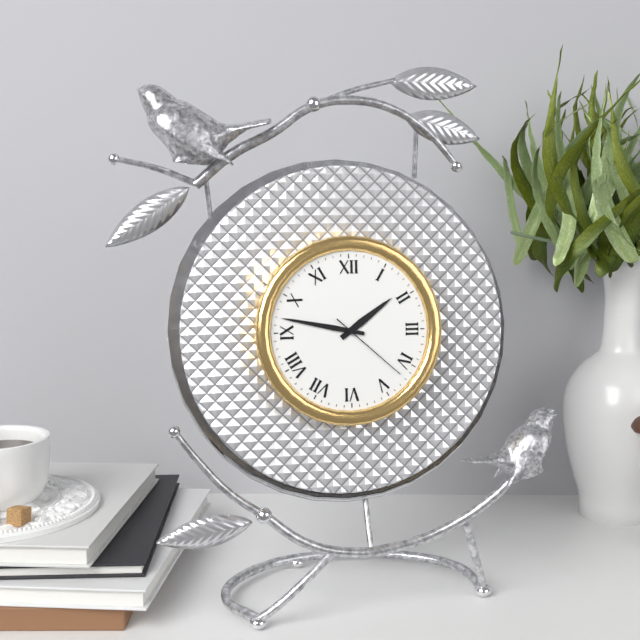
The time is **1:47:22**
